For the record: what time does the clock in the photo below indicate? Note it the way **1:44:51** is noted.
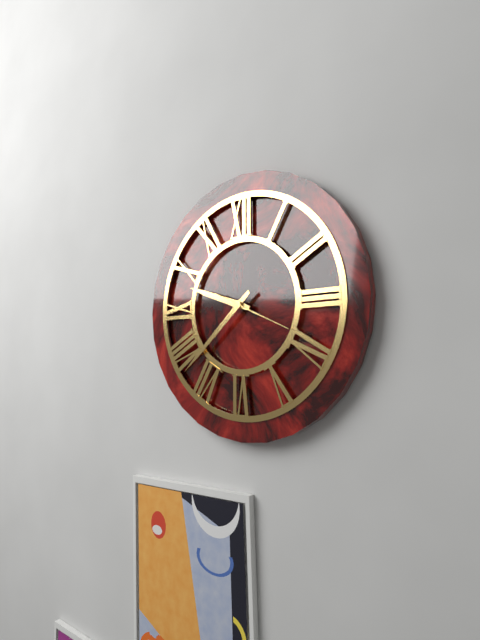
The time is **9:38:19**
